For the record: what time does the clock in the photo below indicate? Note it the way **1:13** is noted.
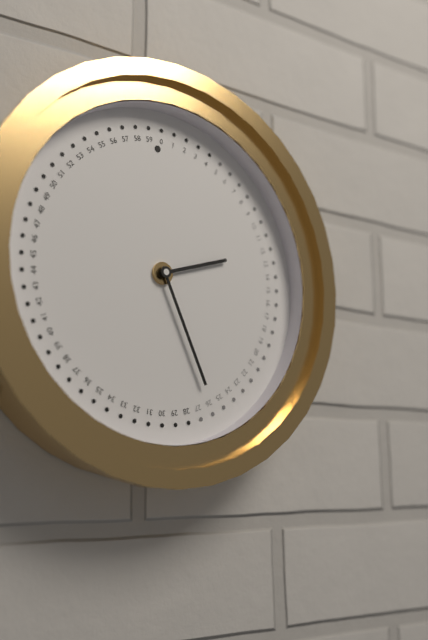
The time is **2:26**
